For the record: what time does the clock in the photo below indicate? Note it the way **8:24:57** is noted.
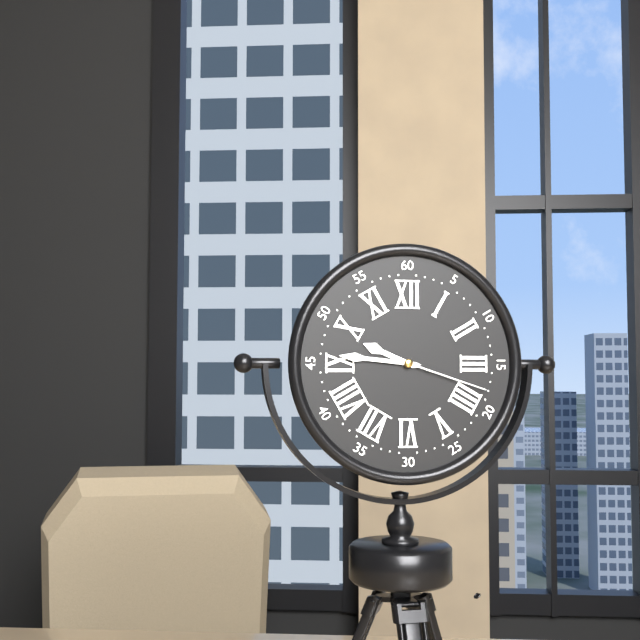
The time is **9:46:18**
